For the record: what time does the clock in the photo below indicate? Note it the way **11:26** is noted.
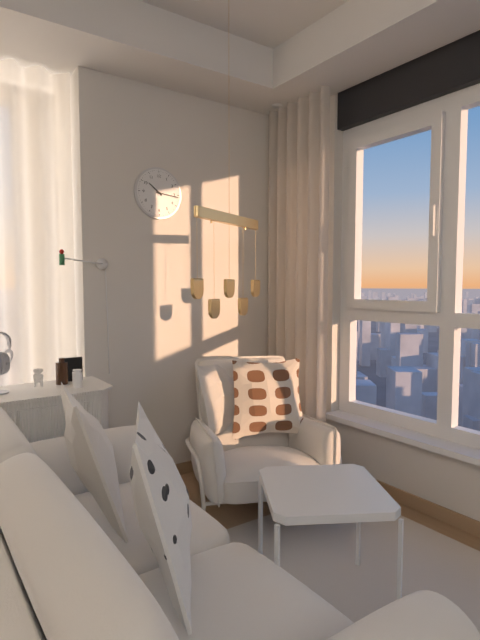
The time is **10:16**
